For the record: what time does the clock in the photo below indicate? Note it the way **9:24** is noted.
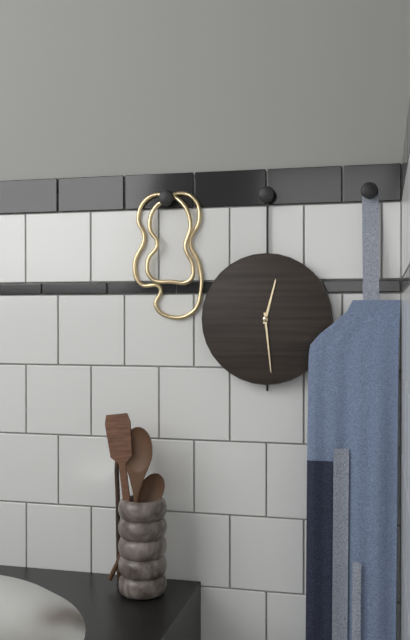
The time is **12:29**
